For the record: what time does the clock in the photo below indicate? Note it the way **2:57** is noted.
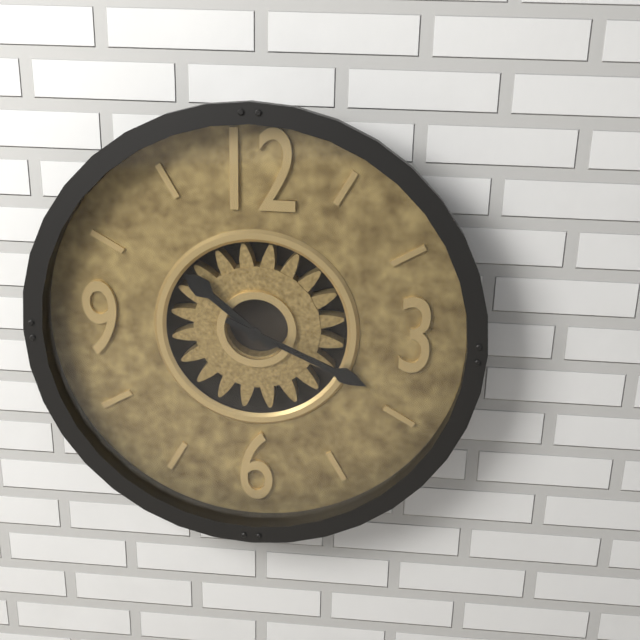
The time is **10:19**
